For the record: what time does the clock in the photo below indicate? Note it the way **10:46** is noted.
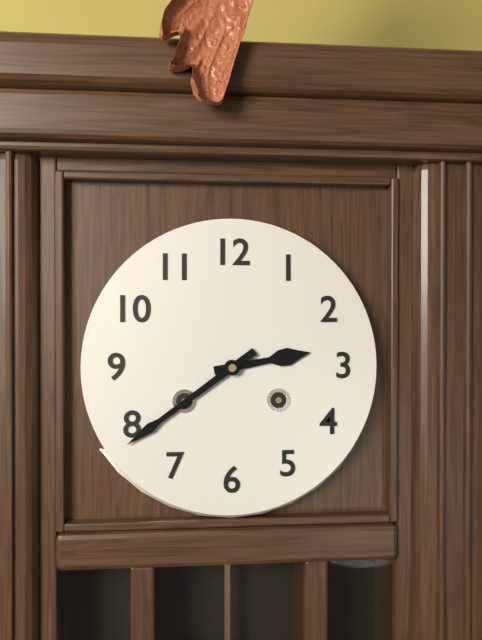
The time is **2:39**
